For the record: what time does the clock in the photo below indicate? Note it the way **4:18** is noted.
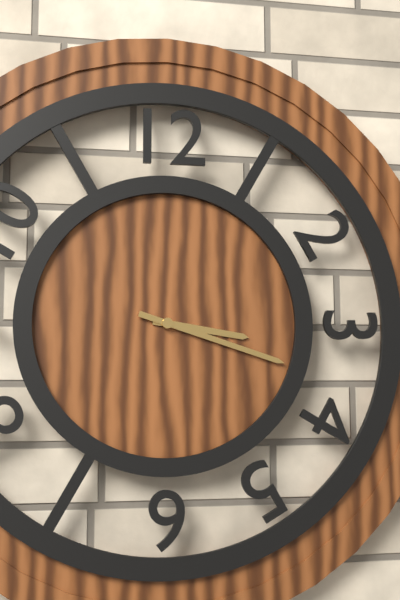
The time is **3:18**
